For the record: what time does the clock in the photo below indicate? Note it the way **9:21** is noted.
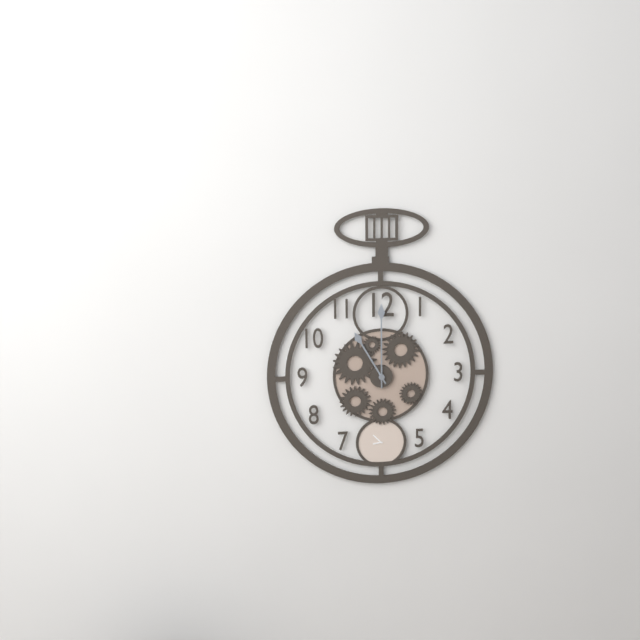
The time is **11:00**
